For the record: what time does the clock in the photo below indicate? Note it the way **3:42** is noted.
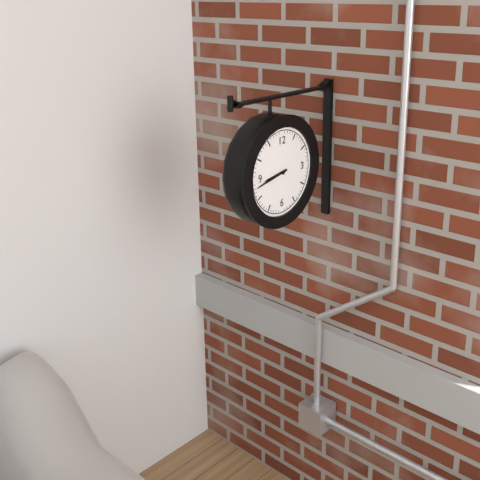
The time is **8:43**
